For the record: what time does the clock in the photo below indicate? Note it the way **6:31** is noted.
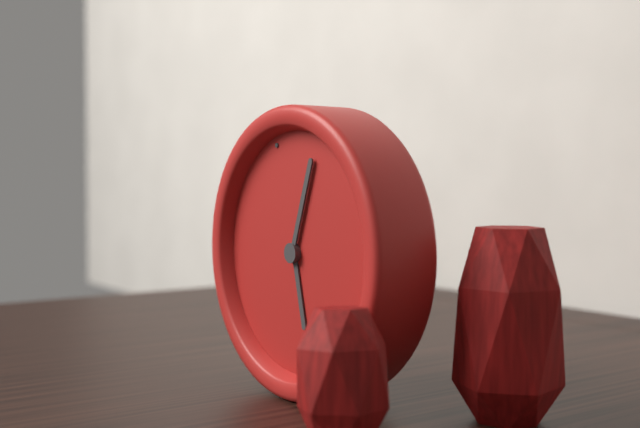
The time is **6:06**
